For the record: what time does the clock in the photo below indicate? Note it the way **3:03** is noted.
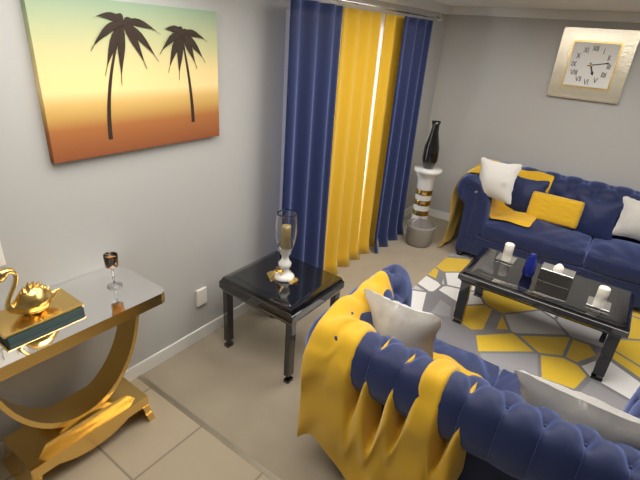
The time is **5:13**
